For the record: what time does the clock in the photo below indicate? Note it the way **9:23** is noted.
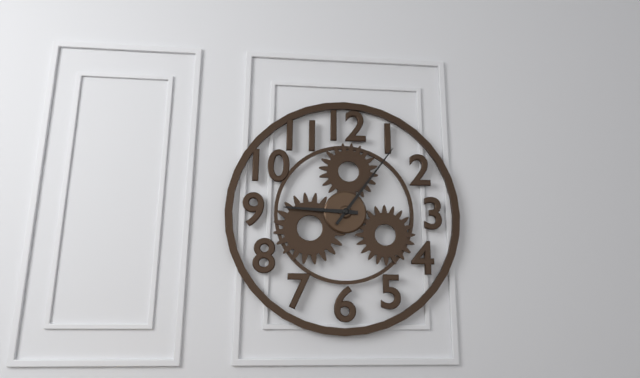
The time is **9:06**
